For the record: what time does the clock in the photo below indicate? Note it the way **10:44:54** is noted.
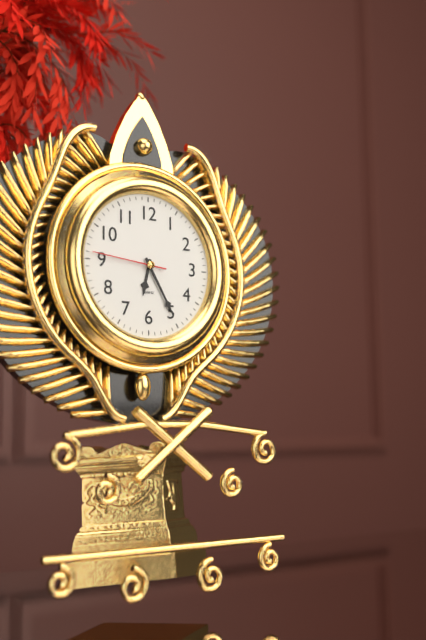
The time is **6:25:46**
